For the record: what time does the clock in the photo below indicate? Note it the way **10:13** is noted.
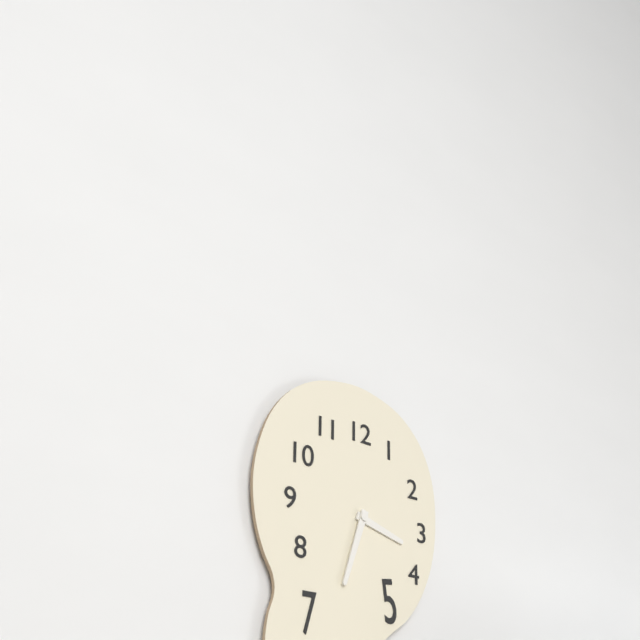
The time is **3:33**
